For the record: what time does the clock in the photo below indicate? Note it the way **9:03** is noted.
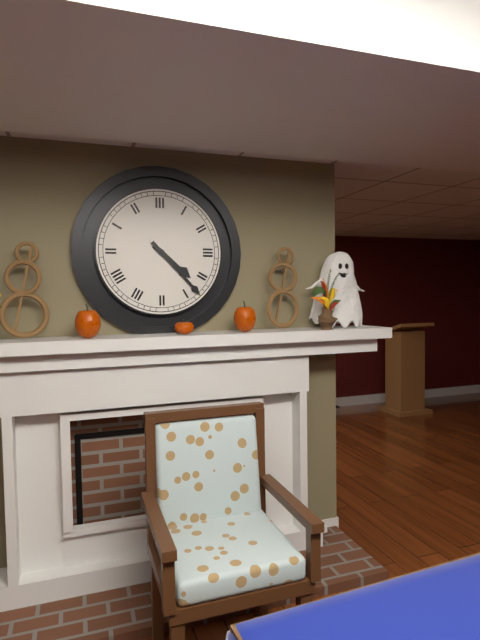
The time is **4:23**
